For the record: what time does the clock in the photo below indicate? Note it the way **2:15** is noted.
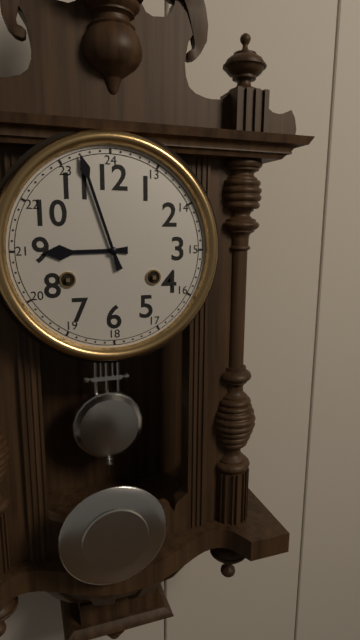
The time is **8:57**
